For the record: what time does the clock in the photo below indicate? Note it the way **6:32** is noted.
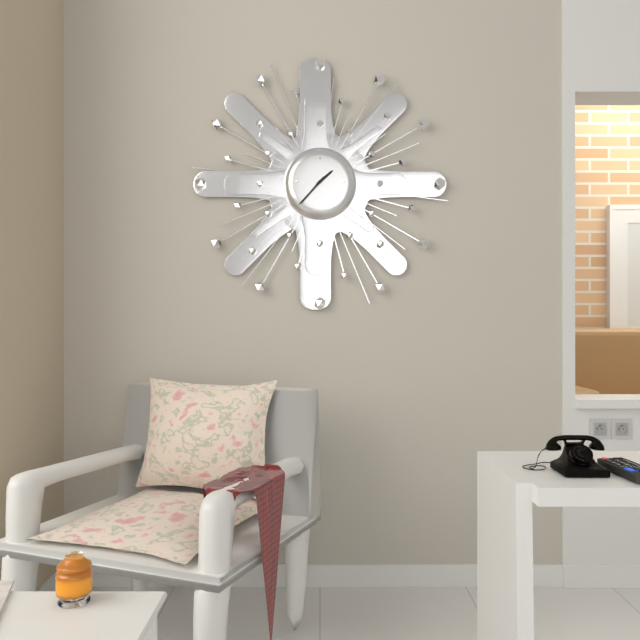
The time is **1:37**
